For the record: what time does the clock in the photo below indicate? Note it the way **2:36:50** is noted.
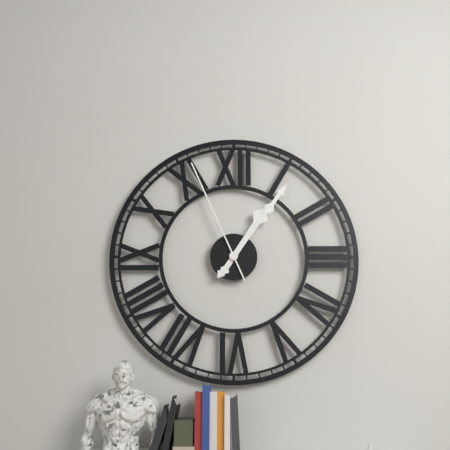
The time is **1:06:56**
